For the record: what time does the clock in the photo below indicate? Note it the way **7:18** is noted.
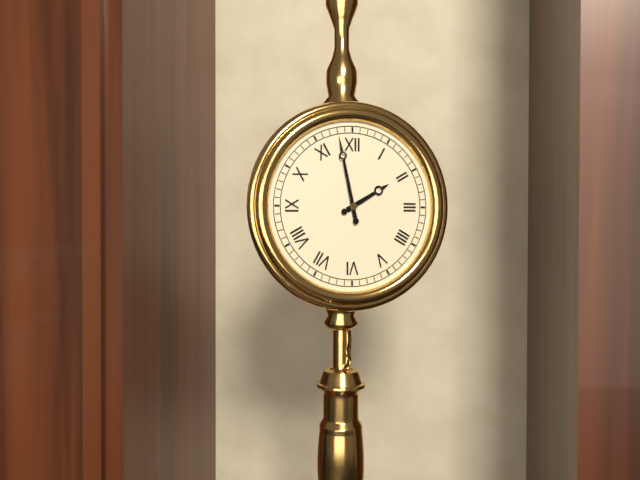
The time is **1:58**
